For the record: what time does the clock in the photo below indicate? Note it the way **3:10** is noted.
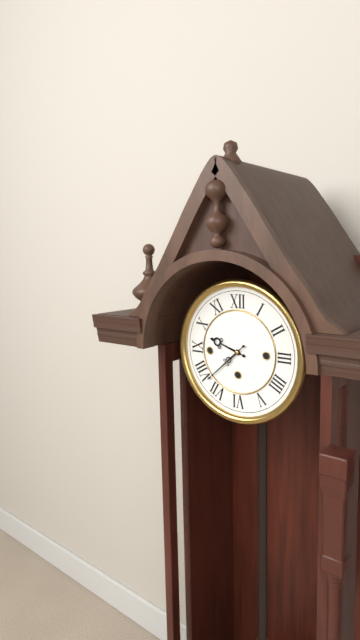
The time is **9:38**
